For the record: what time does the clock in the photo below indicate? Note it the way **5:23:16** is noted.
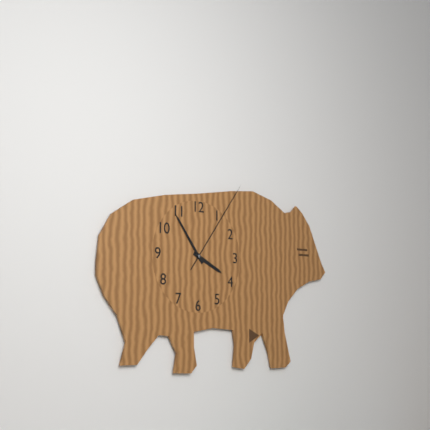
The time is **3:54:06**
